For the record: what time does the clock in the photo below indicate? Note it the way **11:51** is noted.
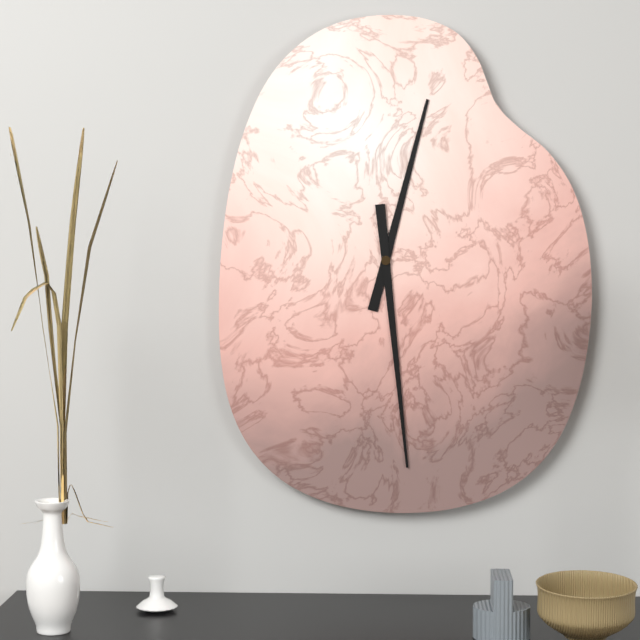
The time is **12:29**
